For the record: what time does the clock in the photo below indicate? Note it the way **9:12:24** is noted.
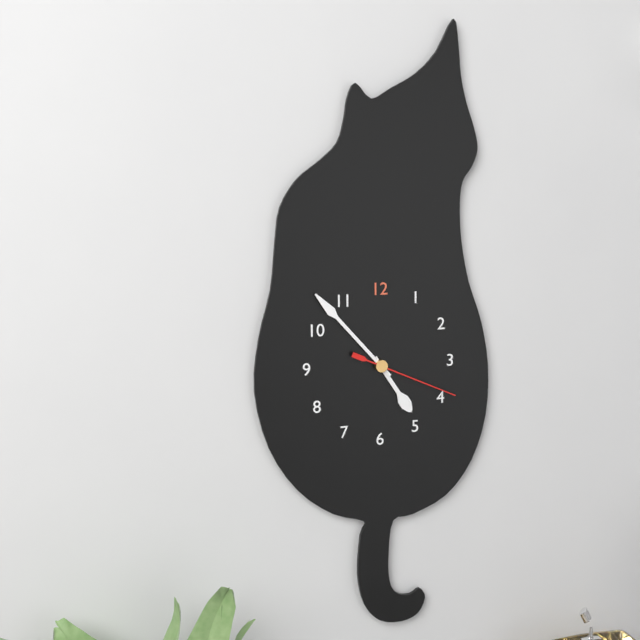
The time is **4:53:19**
